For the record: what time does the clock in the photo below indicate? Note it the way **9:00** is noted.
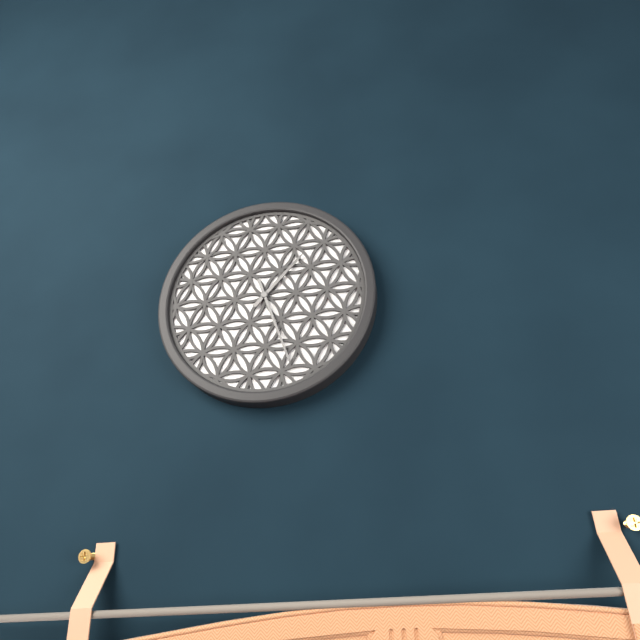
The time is **1:27**
